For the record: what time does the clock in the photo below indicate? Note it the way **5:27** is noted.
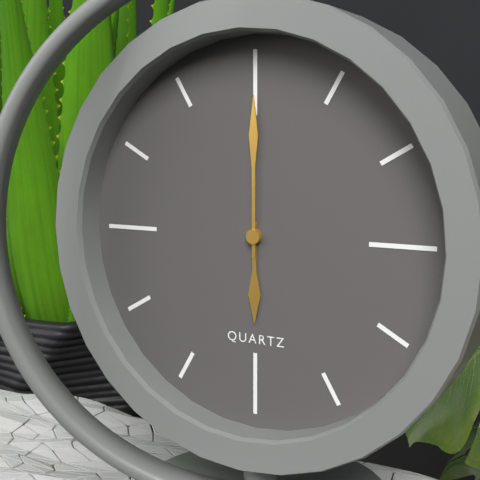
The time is **6:00**
